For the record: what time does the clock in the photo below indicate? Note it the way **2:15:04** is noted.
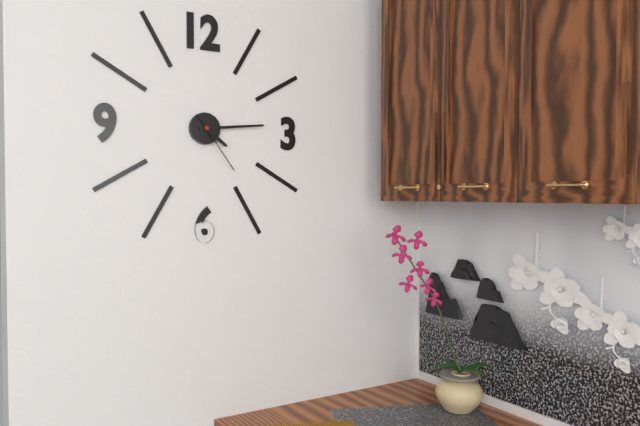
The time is **4:14:24**
